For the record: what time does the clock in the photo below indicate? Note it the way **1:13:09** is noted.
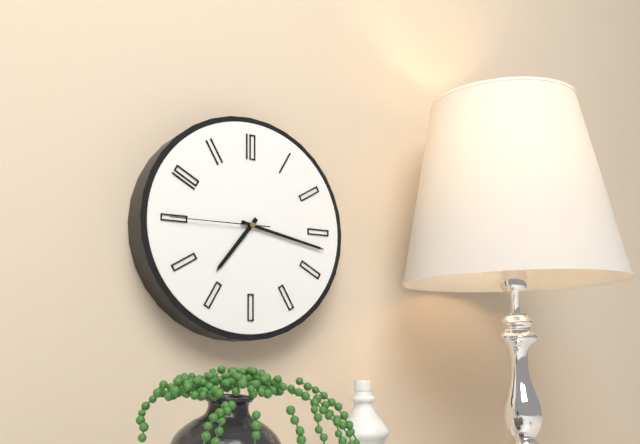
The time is **7:17:45**
